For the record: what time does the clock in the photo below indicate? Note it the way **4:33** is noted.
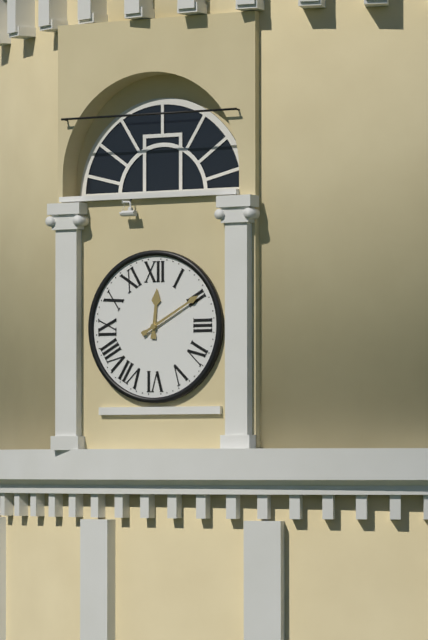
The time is **12:10**
